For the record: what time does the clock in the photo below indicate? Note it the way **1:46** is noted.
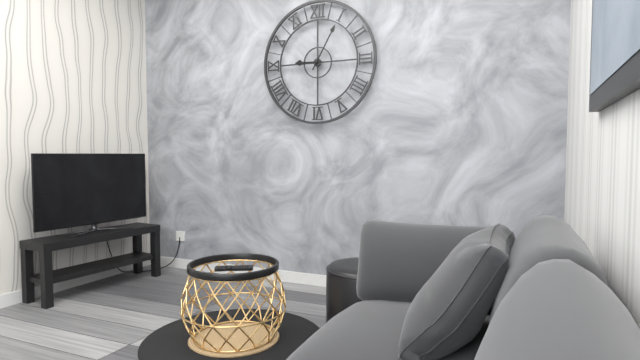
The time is **9:05**
